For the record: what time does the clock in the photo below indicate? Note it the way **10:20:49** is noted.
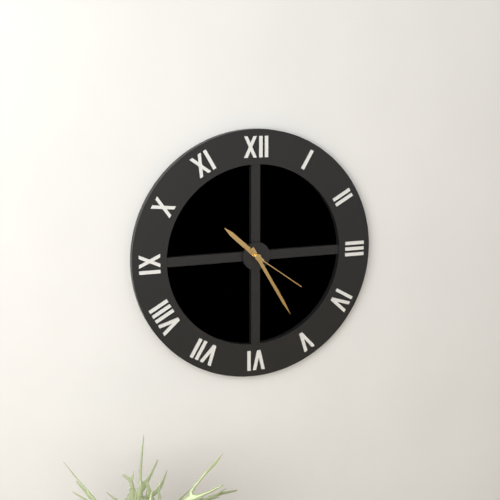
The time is **10:25:21**
